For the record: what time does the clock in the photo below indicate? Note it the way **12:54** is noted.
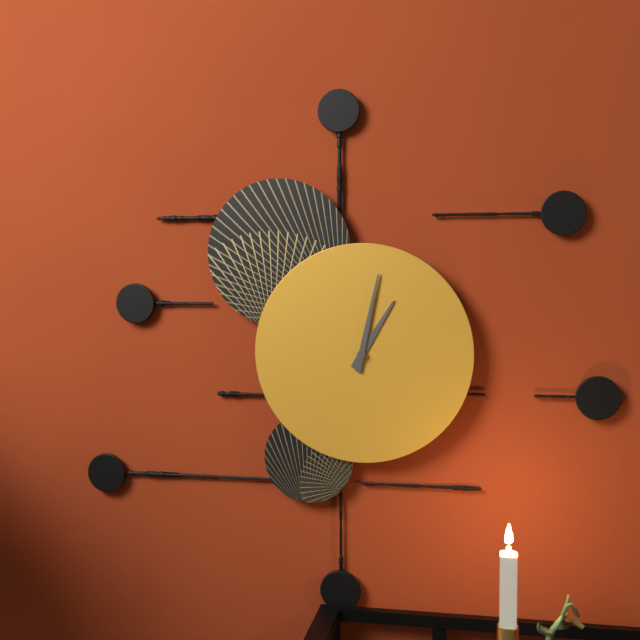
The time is **1:02**
